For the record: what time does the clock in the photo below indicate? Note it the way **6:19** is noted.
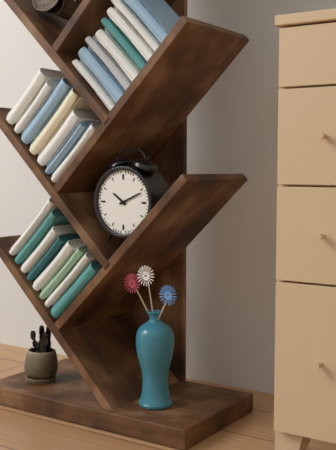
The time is **10:11**
